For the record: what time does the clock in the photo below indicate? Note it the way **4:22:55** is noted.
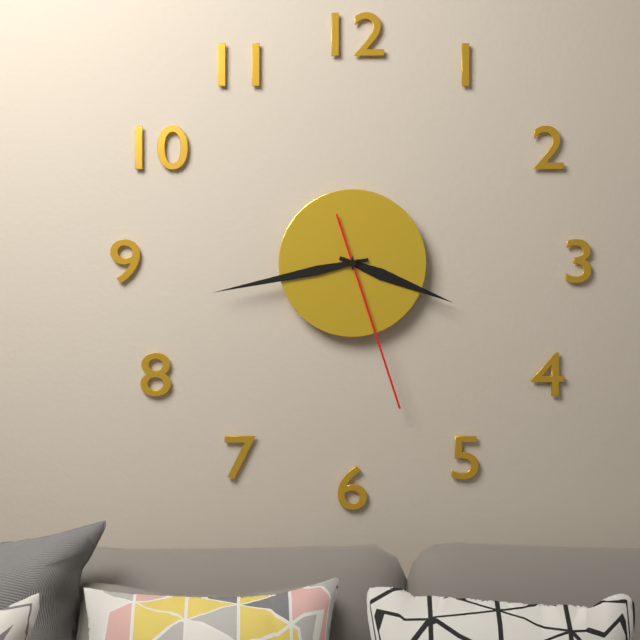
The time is **3:43:27**
